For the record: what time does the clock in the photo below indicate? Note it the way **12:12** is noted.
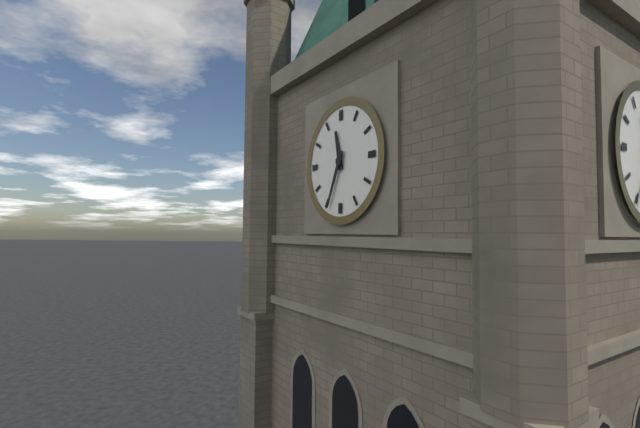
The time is **11:34**
